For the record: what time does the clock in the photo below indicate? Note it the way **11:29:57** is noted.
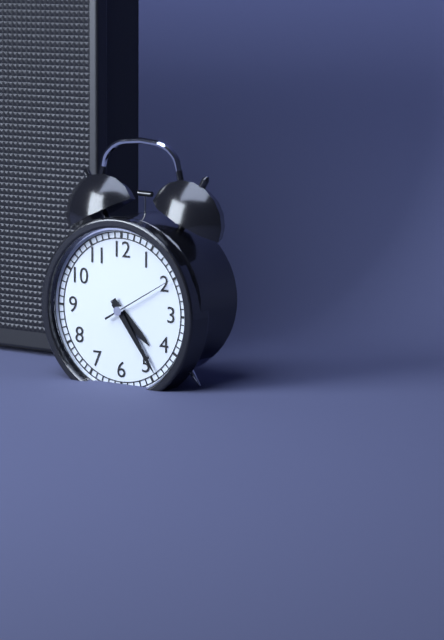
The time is **4:24:10**
